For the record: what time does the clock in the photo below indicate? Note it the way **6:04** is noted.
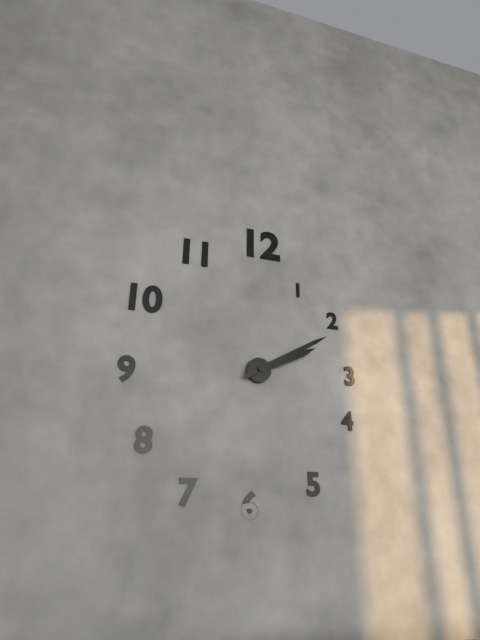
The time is **2:10**
